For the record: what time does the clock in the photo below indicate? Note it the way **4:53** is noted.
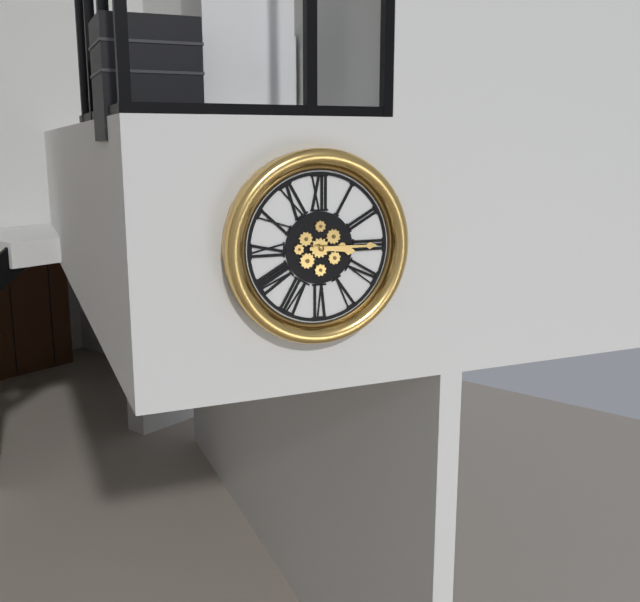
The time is **3:15**
